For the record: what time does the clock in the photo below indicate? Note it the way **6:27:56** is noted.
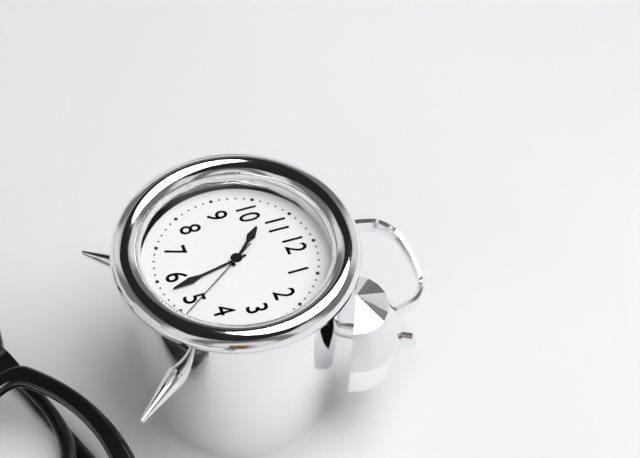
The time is **10:28:24**
